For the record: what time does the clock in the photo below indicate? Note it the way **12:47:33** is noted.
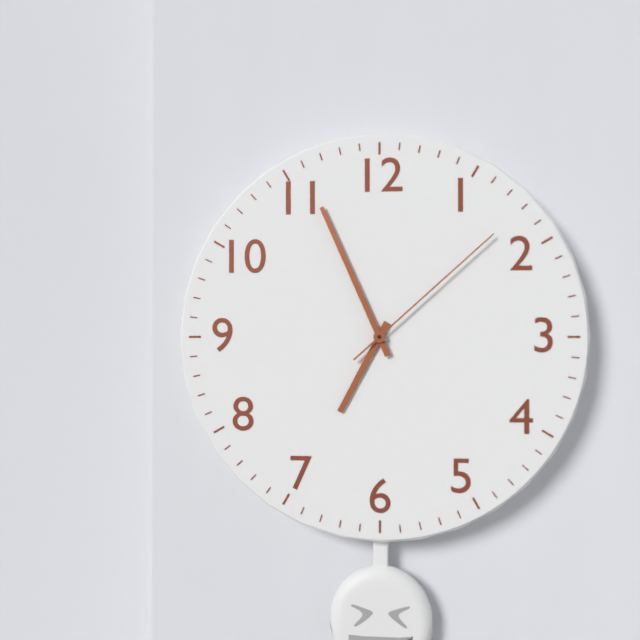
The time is **6:56:08**
